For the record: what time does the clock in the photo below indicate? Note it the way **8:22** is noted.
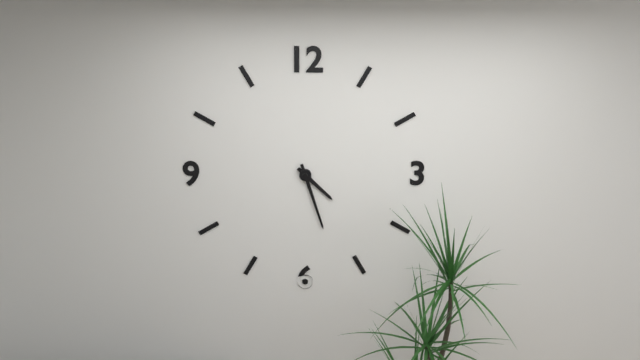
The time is **4:27**
